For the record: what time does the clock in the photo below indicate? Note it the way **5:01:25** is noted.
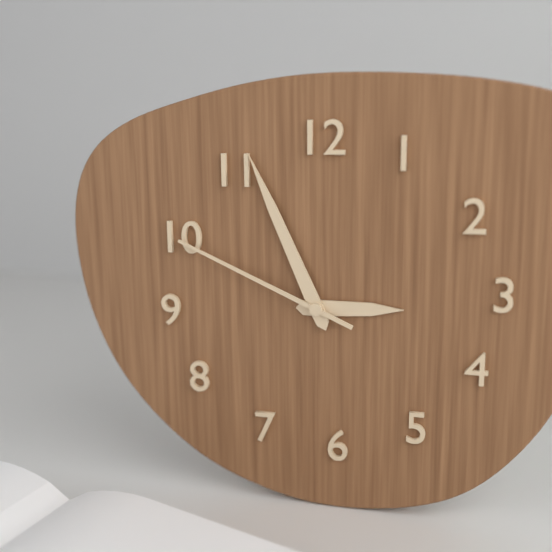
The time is **2:56:49**
